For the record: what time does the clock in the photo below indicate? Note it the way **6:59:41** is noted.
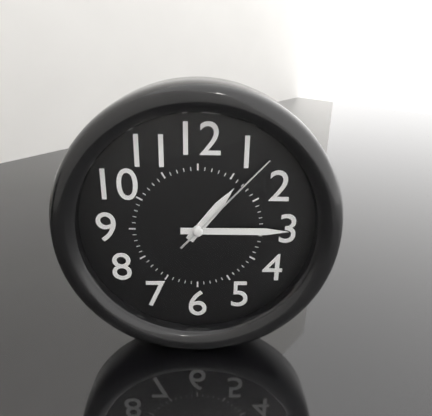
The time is **1:15:07**
